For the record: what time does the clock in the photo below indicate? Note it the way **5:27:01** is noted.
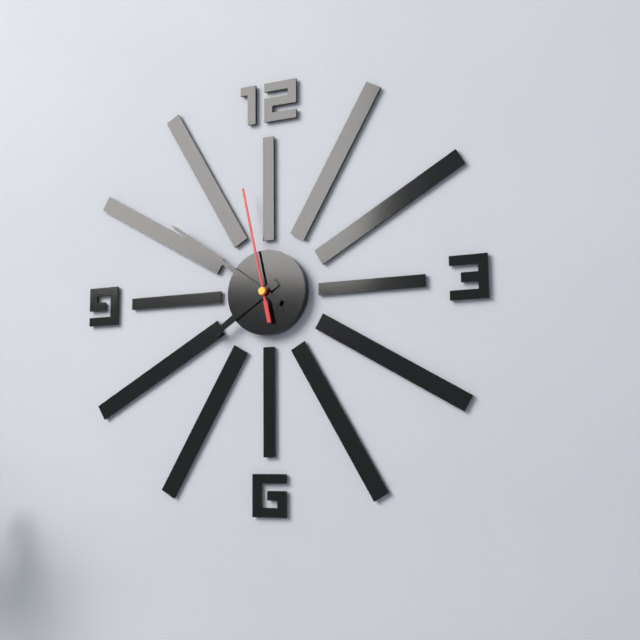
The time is **7:51:58**
